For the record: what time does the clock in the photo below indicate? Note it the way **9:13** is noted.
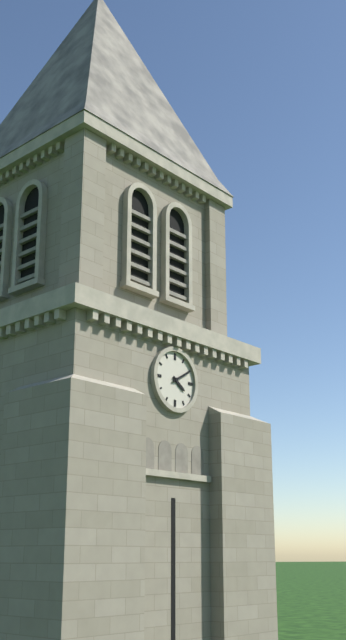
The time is **4:10**
